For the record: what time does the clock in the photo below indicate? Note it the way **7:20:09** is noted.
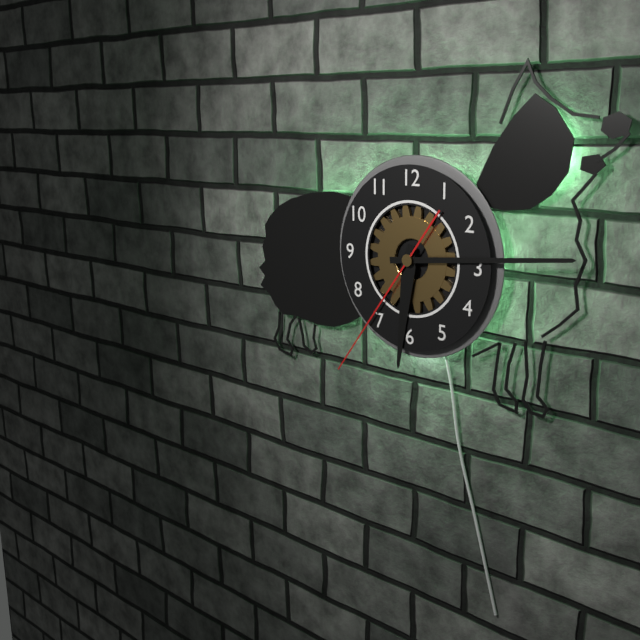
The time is **6:14:36**
